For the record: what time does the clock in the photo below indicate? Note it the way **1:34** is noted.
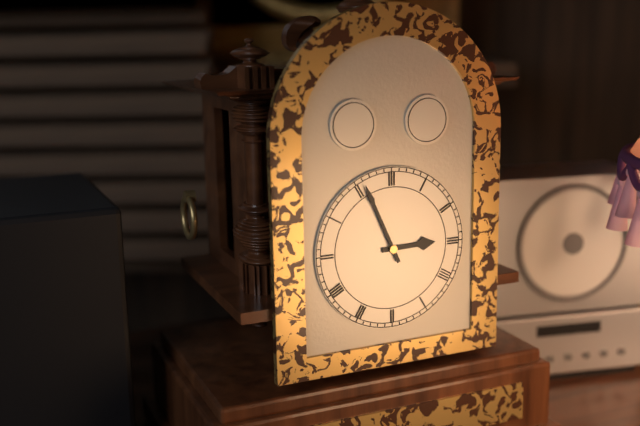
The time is **2:56**
